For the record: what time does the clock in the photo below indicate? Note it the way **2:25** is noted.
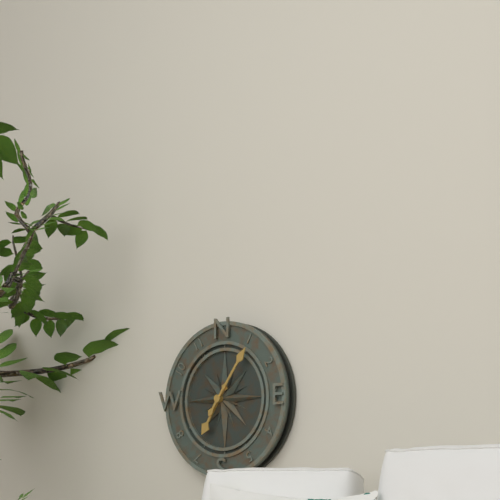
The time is **7:06**
